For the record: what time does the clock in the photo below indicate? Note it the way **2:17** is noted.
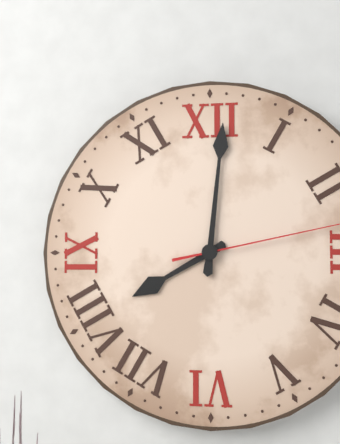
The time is **8:01**
